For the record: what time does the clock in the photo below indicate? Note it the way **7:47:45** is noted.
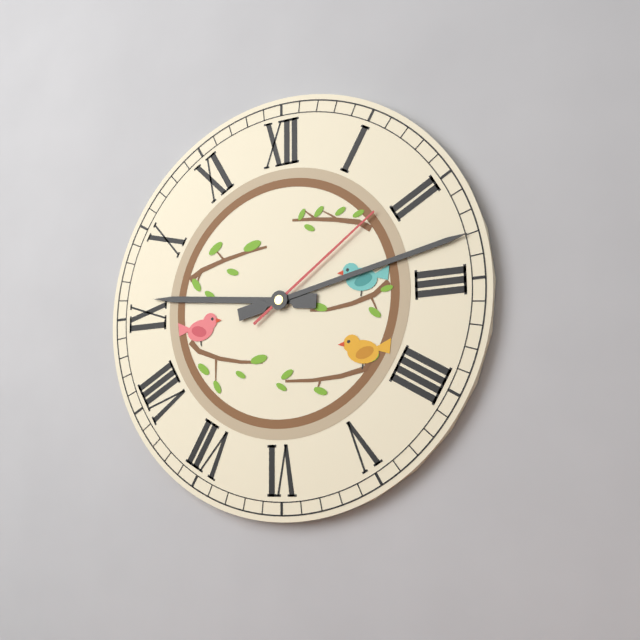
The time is **9:13:09**
